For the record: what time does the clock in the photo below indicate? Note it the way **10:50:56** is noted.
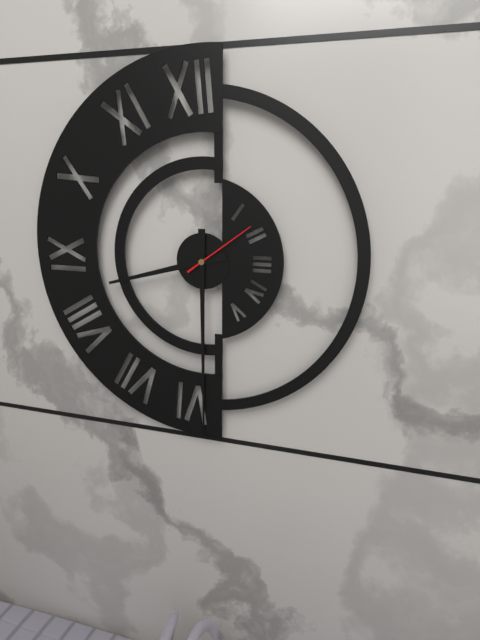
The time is **8:30:09**
